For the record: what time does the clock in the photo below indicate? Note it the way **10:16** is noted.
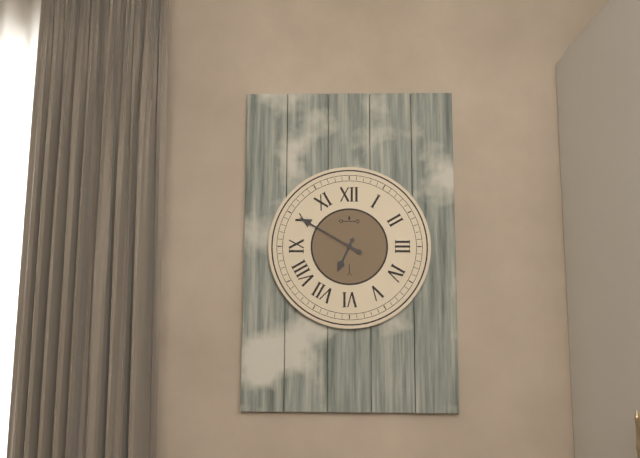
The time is **6:50**
